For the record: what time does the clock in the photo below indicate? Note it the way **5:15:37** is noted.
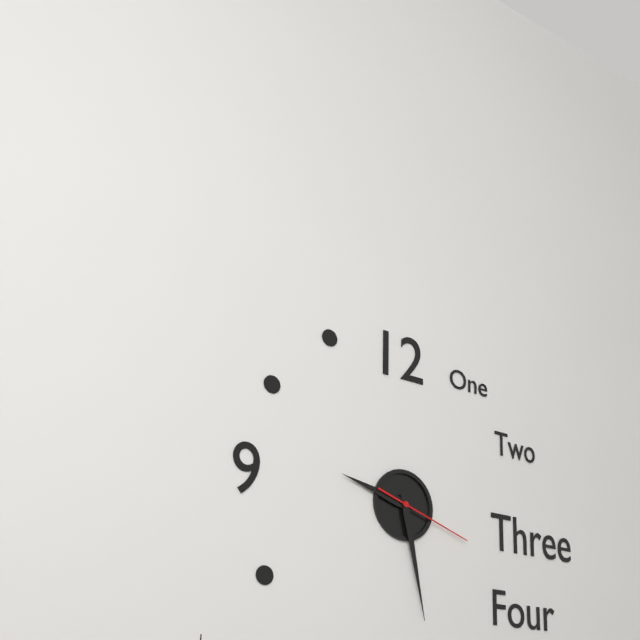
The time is **9:28:18**
